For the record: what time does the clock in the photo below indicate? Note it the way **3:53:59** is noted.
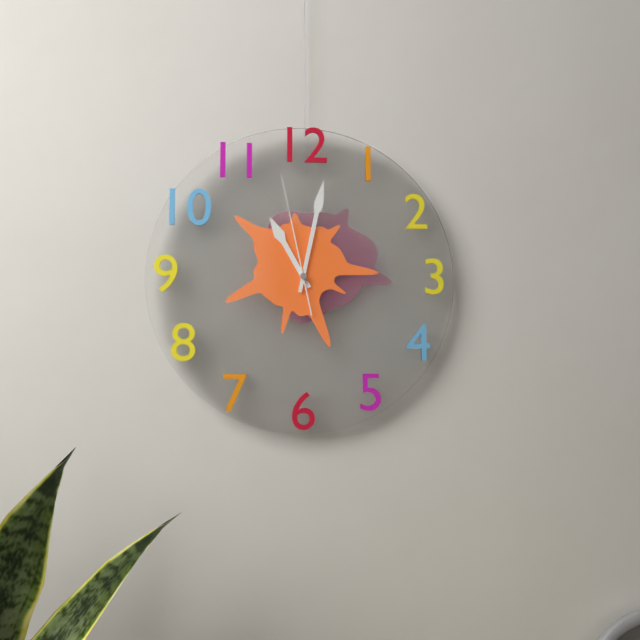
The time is **11:02:58**
